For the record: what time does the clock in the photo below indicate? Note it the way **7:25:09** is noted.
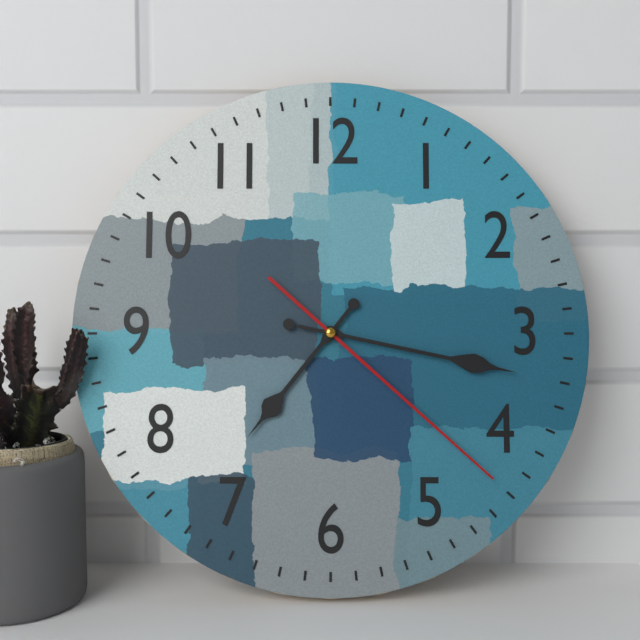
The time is **7:17:22**
